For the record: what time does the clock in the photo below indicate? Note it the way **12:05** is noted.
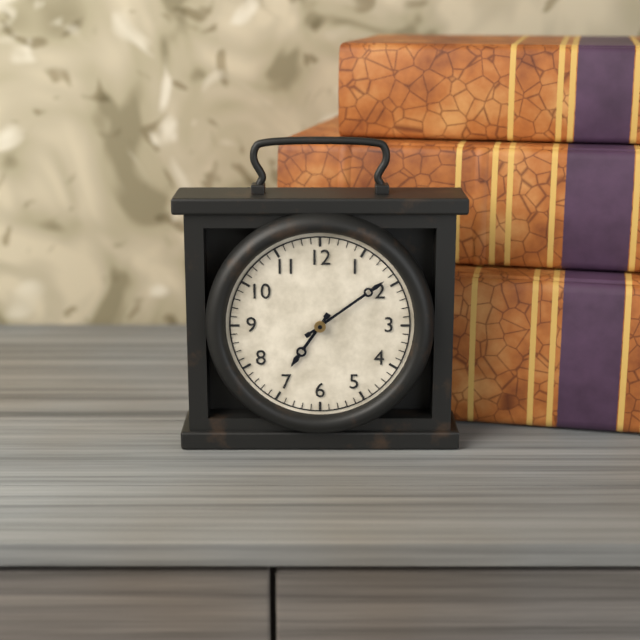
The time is **7:09**
